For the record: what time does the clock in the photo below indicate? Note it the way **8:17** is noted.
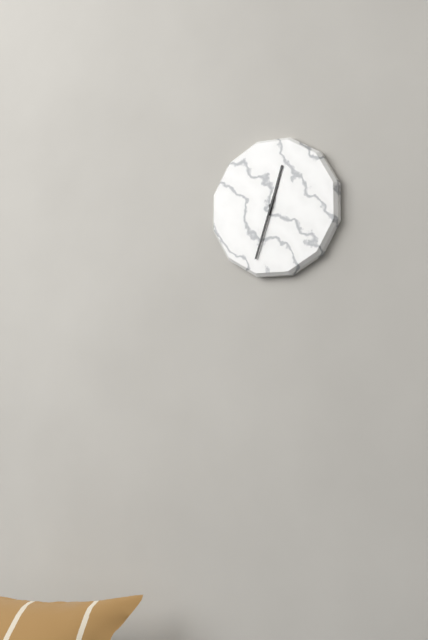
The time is **12:33**
